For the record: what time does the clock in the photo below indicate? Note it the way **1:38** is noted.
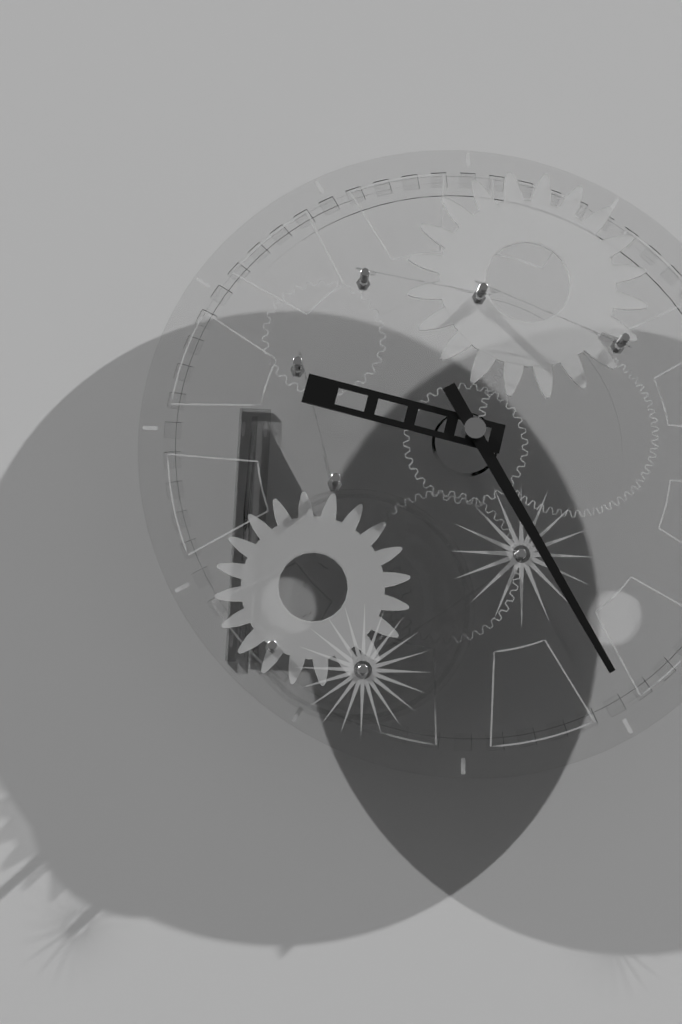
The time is **9:25**
